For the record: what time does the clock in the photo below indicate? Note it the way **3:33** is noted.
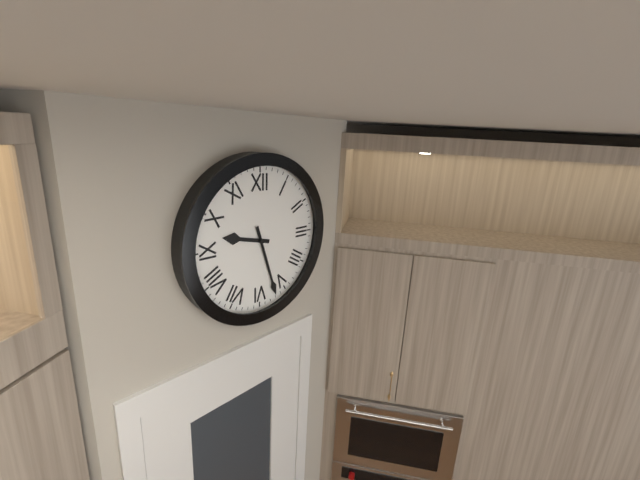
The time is **9:27**
